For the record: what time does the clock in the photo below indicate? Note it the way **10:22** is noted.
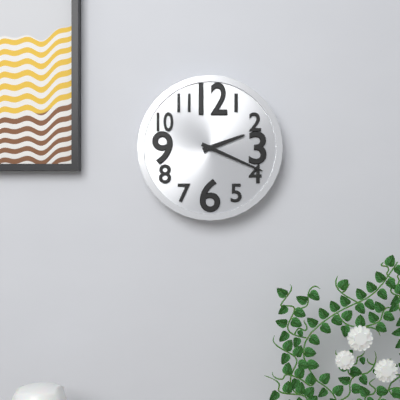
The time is **2:19**
